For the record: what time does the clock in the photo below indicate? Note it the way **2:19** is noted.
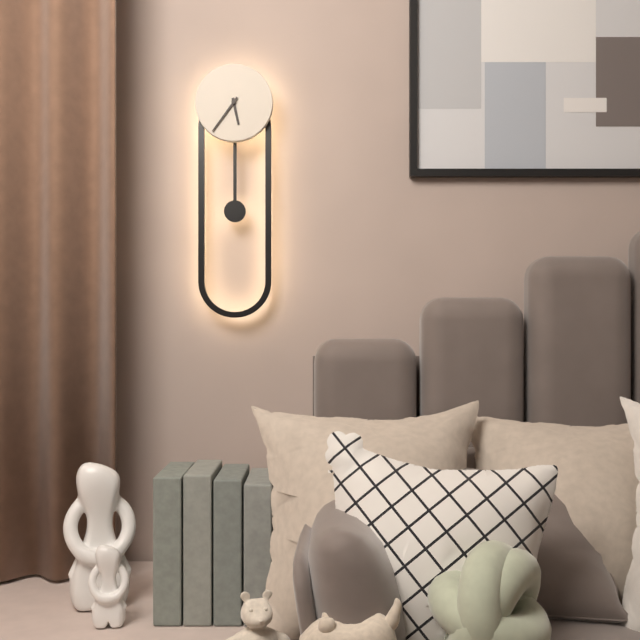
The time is **5:36**
